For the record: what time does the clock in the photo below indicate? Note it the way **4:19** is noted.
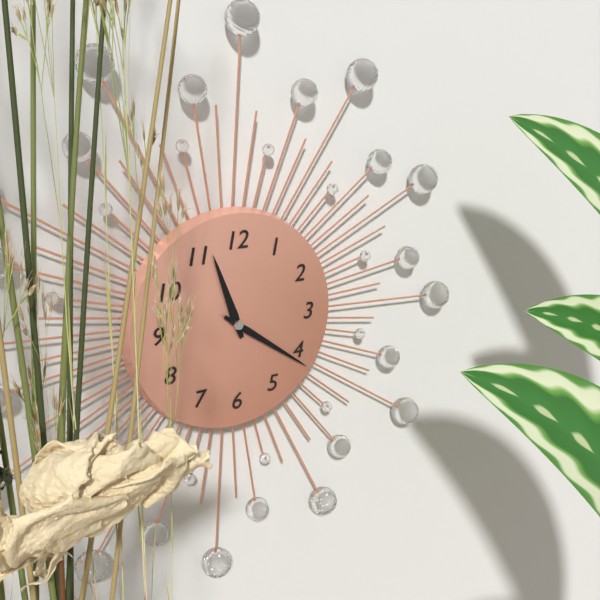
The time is **11:21**
